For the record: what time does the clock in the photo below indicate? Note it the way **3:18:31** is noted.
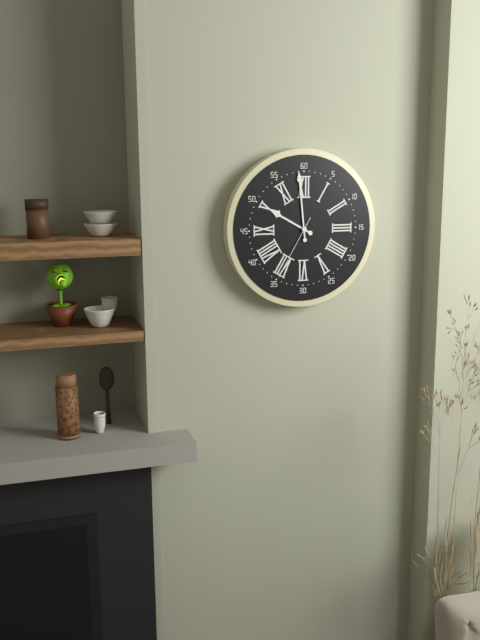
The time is **9:59:35**
